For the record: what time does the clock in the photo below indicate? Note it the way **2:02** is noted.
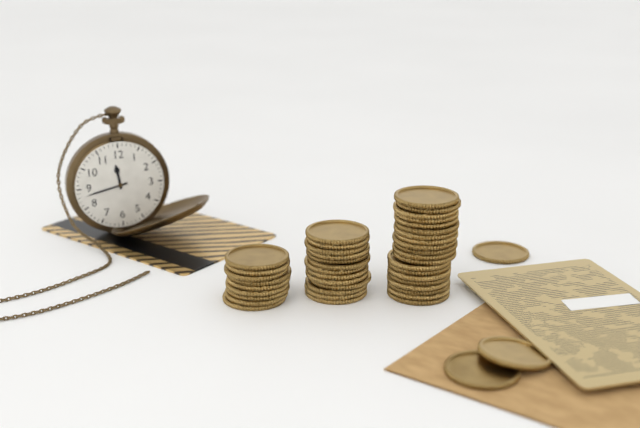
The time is **11:43**
